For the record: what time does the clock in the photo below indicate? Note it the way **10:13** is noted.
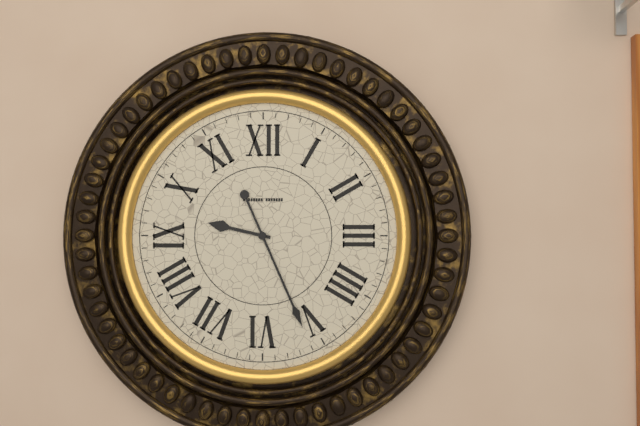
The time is **9:26**
